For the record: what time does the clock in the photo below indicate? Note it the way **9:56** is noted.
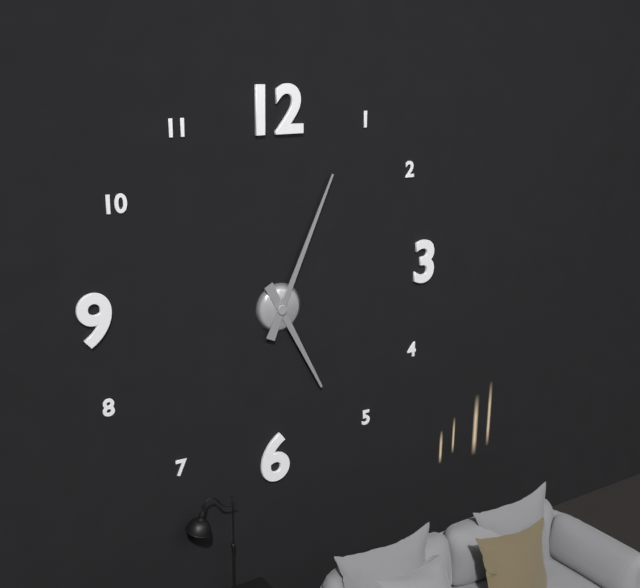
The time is **5:04**
